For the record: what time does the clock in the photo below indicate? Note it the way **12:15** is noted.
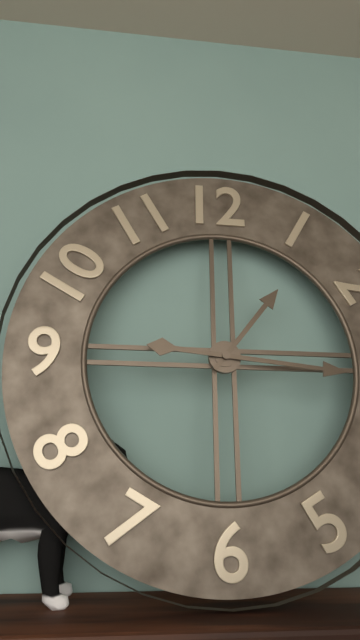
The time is **1:16**
